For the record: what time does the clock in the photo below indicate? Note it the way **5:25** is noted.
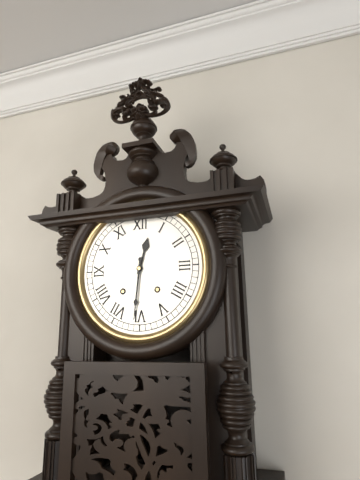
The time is **12:31**
